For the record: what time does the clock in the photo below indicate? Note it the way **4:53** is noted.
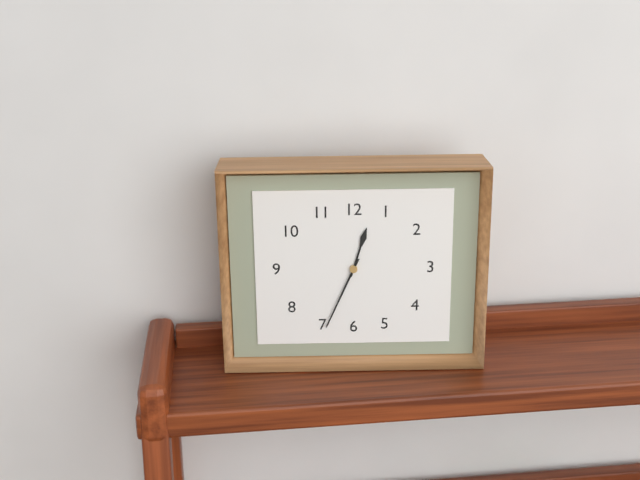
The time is **12:34**
